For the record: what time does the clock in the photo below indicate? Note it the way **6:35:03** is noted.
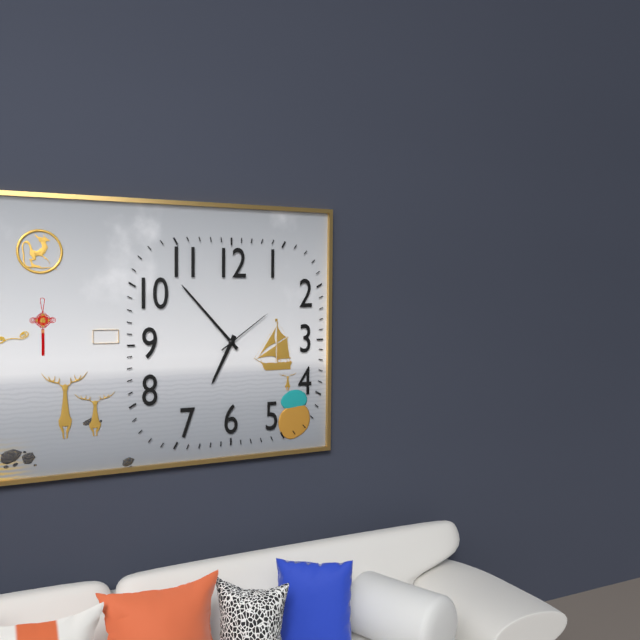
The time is **6:53:09**
